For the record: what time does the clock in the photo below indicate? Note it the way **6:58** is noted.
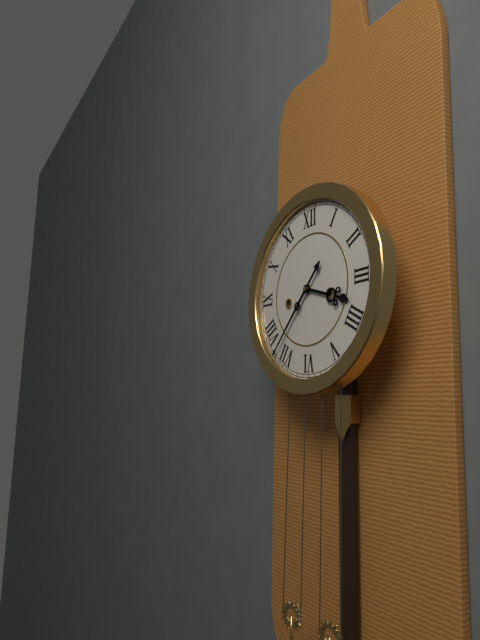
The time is **3:37**
